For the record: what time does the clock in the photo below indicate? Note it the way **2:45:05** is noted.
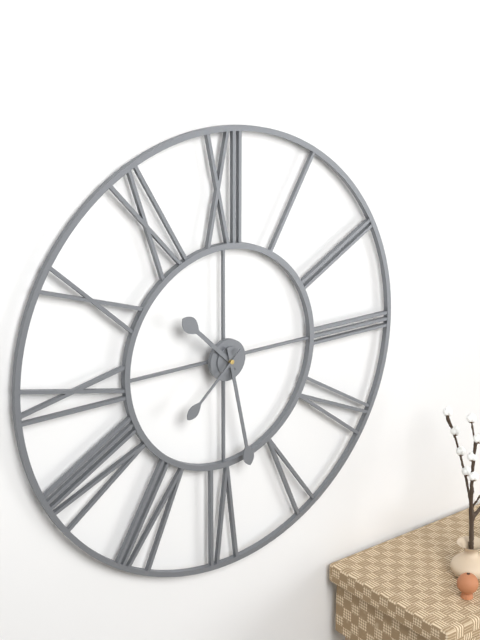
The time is **10:28:38**
